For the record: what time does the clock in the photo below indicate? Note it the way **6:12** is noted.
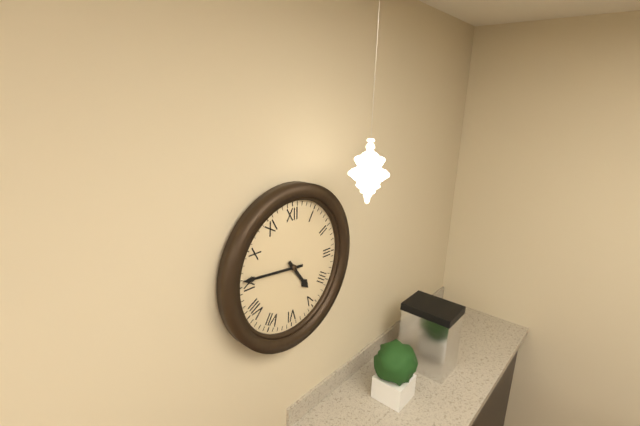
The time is **4:46**
